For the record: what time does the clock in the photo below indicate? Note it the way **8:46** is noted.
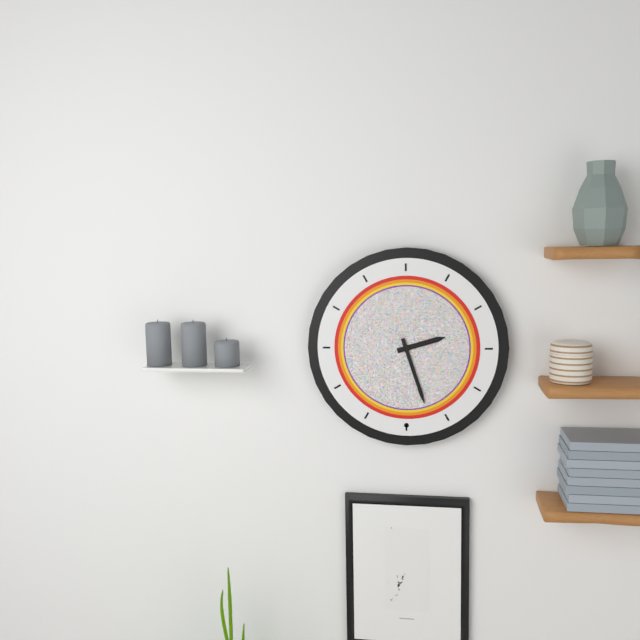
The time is **2:27**
